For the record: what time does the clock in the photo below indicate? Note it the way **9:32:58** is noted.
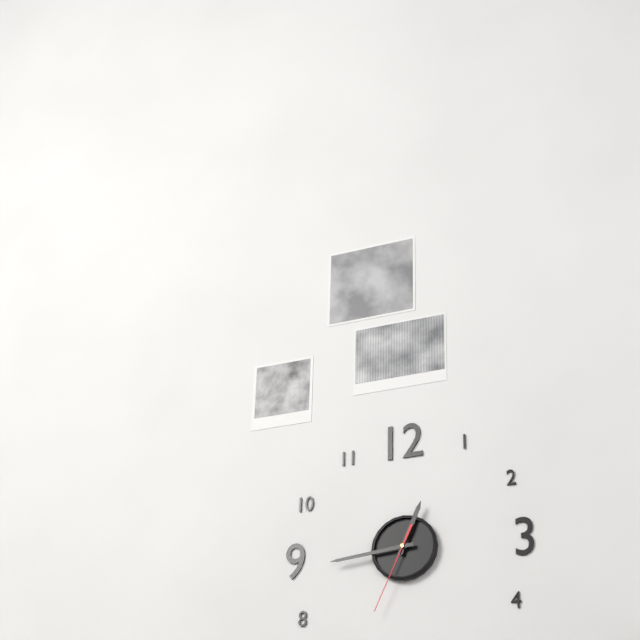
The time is **12:44:34**
